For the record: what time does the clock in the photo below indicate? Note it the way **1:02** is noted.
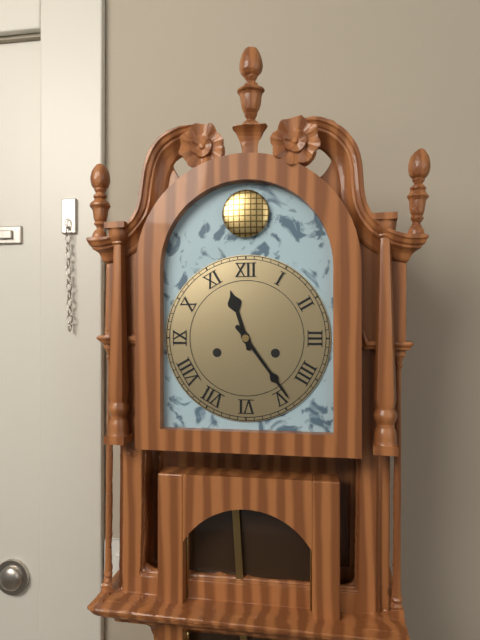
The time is **11:24**
